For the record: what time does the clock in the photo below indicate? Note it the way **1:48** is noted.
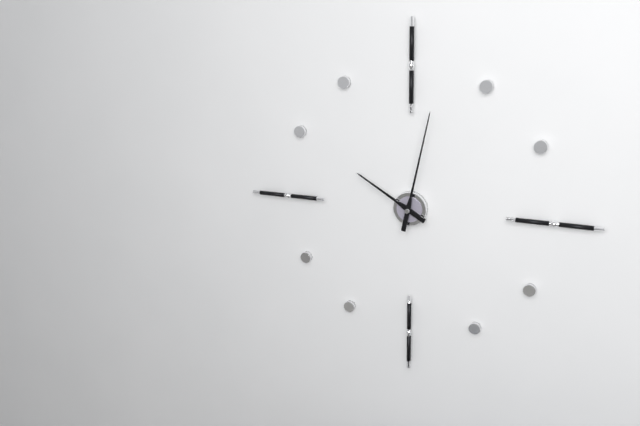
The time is **10:02**
